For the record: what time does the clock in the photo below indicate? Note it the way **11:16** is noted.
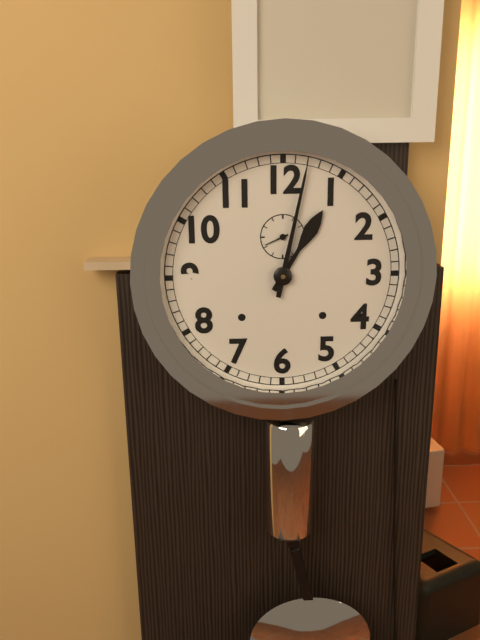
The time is **1:02**
